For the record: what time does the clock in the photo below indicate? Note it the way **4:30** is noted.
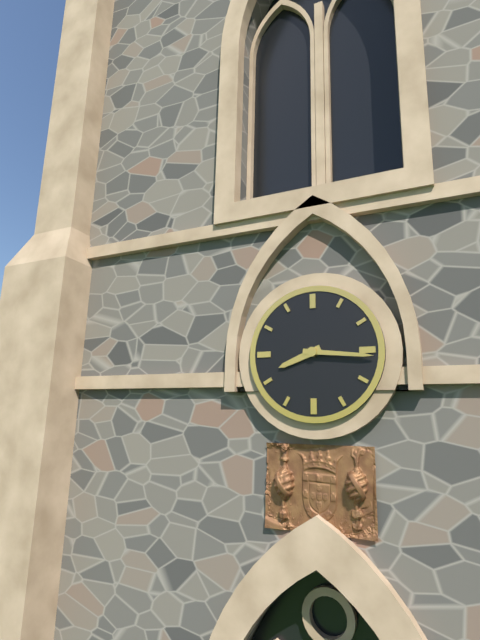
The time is **8:16**
